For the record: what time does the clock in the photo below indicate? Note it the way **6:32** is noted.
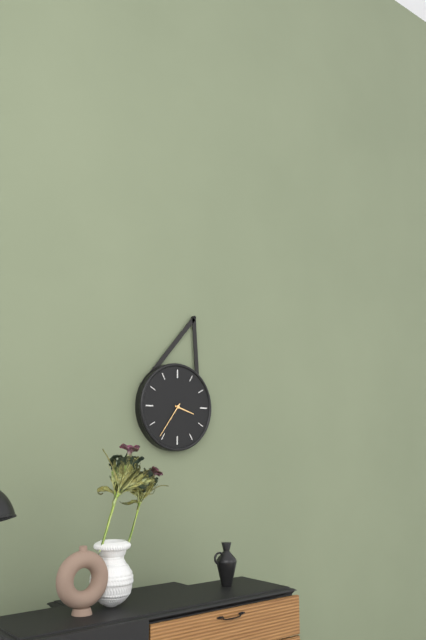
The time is **3:36**
